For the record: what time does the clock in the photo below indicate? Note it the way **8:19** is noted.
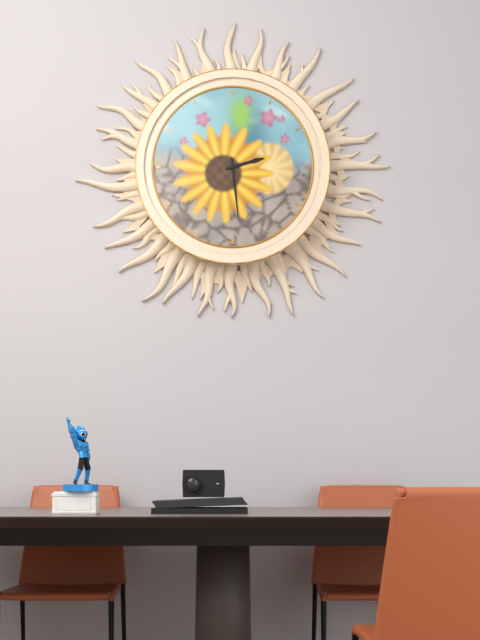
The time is **2:29**
